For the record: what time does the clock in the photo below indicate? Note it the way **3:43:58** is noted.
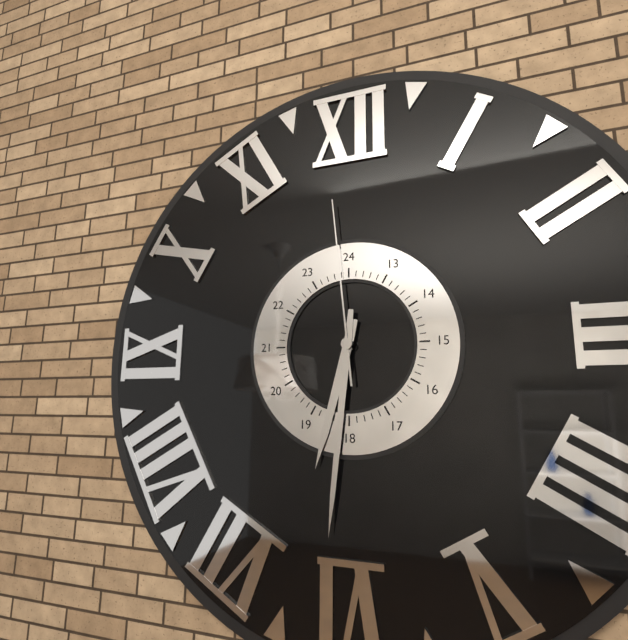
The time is **6:31:59**
